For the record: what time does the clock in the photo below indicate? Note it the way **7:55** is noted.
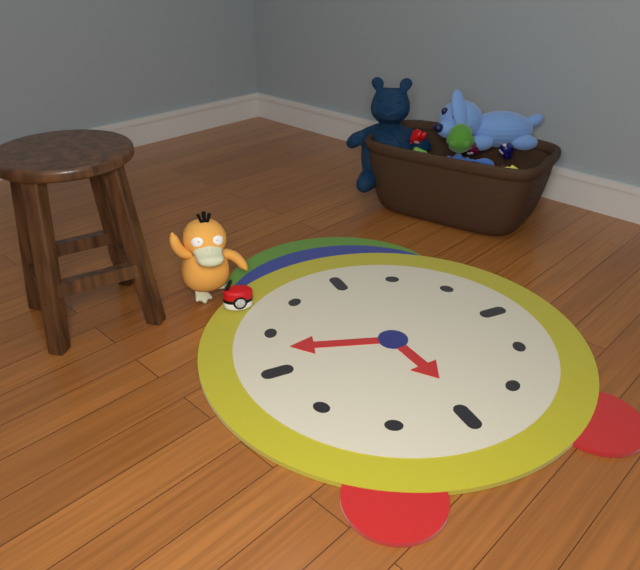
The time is **5:48**
